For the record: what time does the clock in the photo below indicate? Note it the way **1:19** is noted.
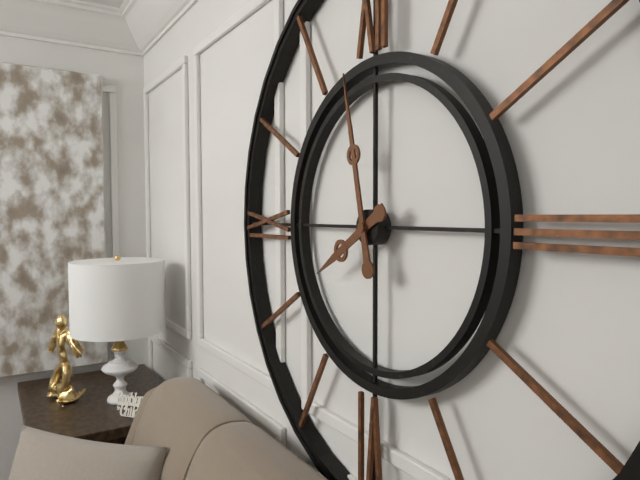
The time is **7:58**
